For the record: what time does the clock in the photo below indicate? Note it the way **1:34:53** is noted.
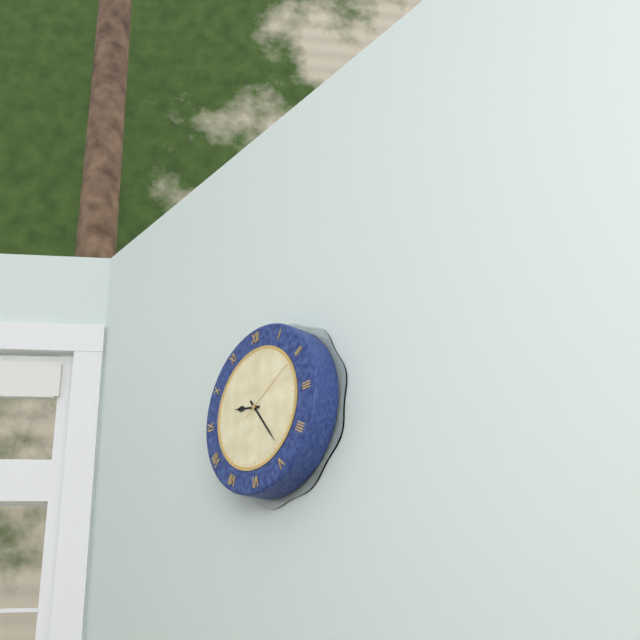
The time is **9:24:10**
